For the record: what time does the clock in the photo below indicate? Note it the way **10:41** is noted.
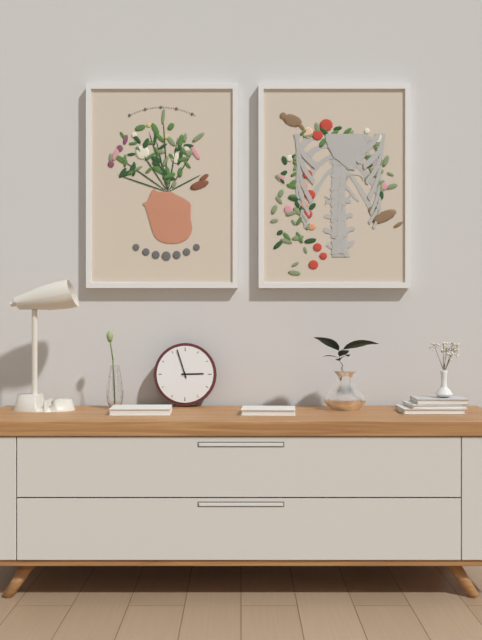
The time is **2:57**
